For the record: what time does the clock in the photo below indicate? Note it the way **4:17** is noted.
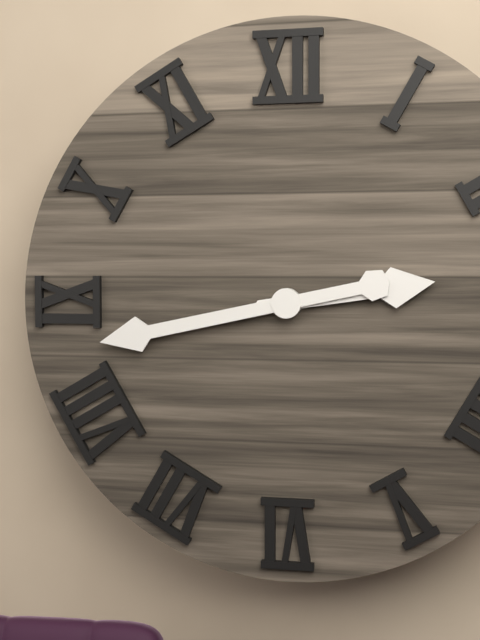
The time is **2:43**
